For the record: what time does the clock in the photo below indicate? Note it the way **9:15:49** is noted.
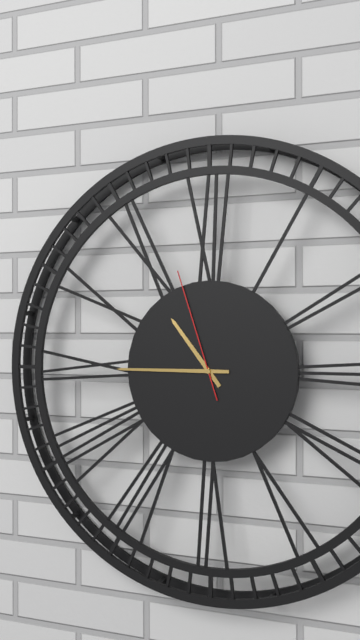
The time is **10:45:57**
